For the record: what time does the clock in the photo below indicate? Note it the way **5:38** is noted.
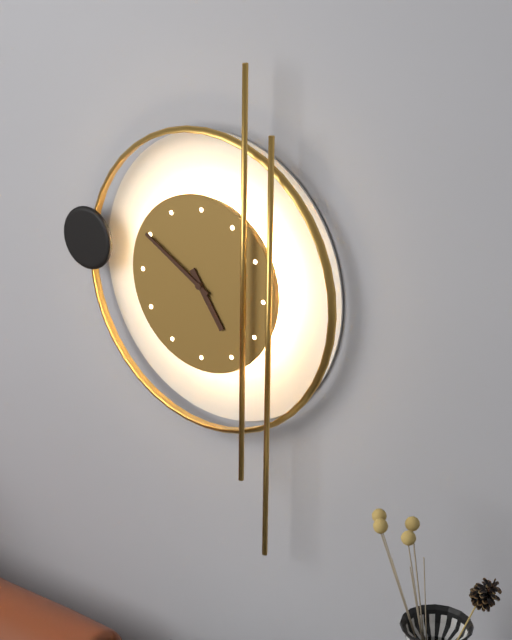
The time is **4:50**
